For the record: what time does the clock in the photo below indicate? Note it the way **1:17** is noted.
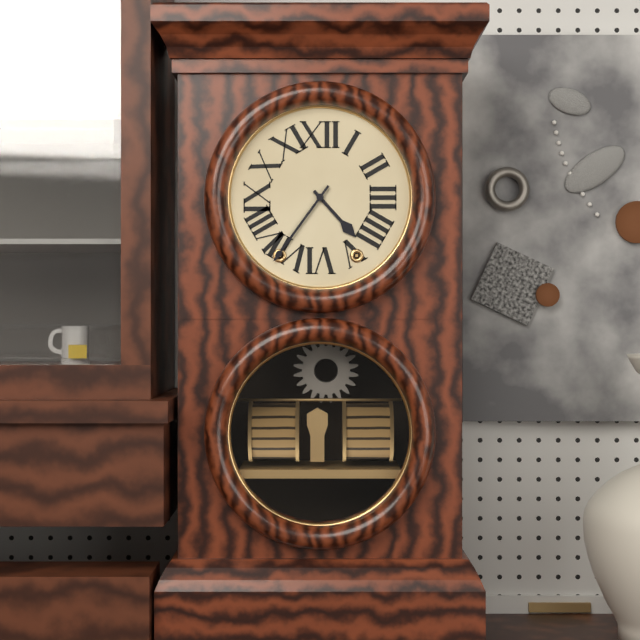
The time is **4:36**
